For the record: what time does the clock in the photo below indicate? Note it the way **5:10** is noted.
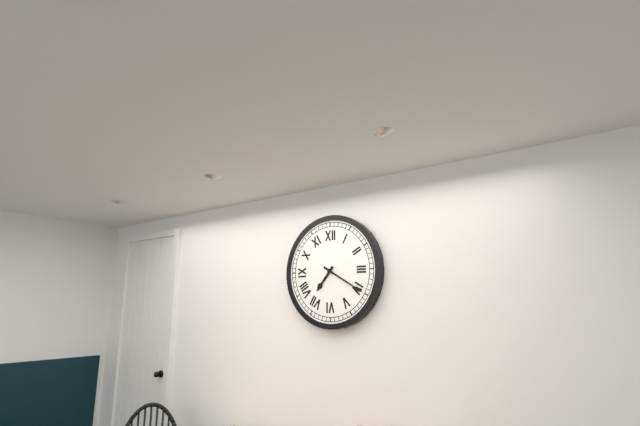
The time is **7:20**
